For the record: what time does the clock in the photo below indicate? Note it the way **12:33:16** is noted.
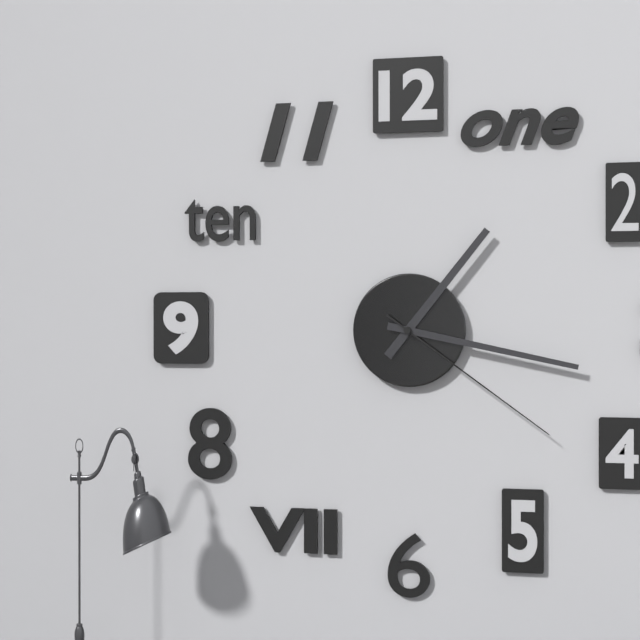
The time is **1:17:21**
